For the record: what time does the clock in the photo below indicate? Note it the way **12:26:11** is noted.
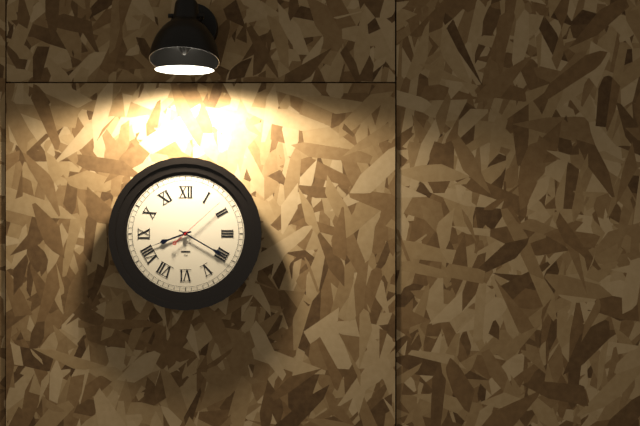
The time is **8:20:08**
